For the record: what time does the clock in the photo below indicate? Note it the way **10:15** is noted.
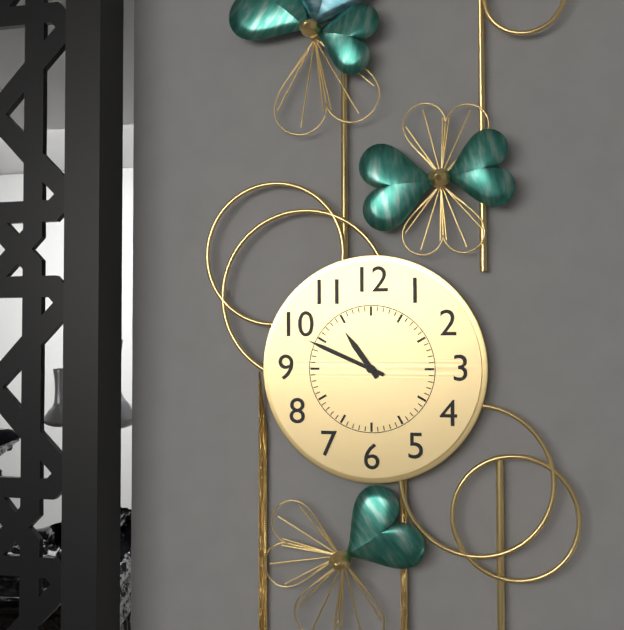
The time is **10:49**
